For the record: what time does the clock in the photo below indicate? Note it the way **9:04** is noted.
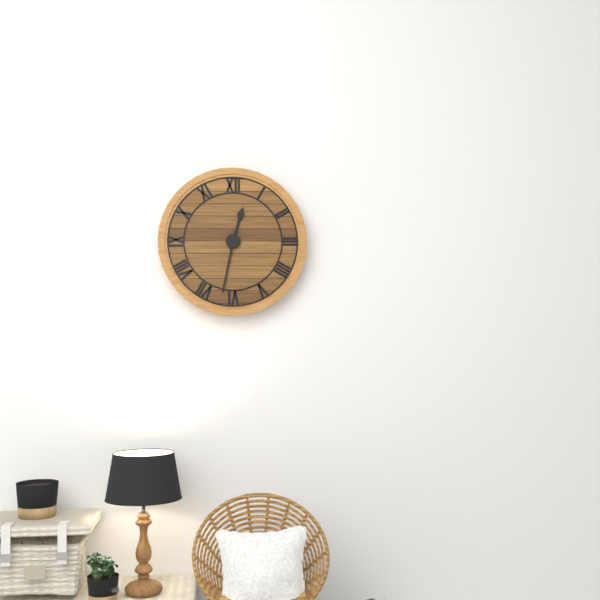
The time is **12:32**
